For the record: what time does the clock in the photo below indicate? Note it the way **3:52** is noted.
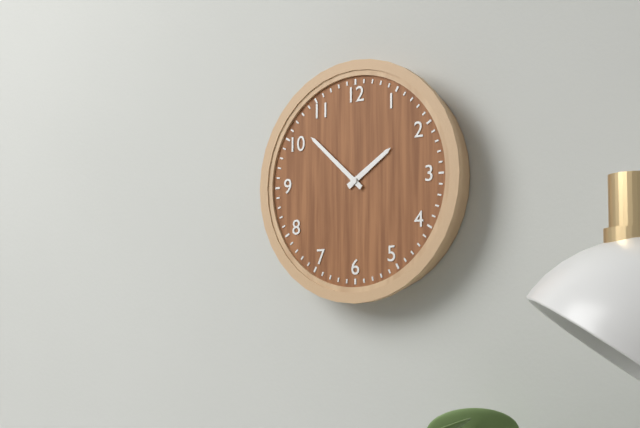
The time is **1:52**
